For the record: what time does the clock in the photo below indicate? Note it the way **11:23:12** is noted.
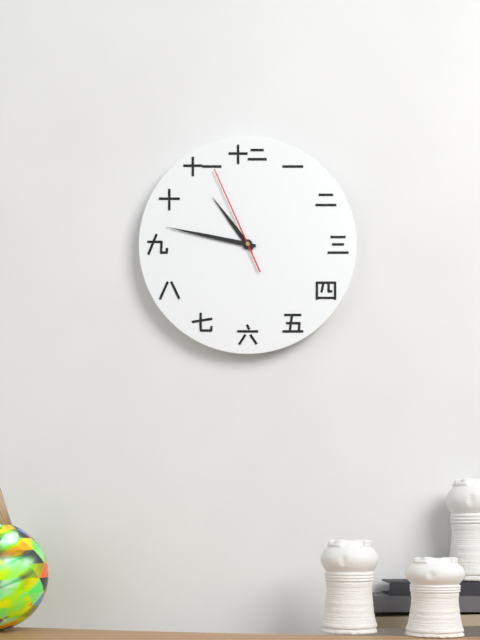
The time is **10:47:56**
